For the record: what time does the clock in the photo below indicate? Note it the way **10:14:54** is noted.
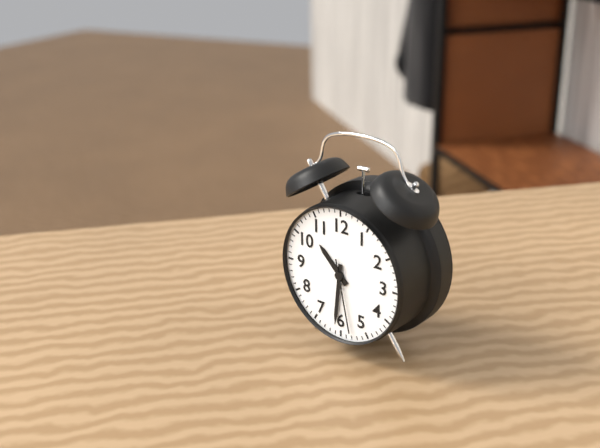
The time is **10:31:28**
